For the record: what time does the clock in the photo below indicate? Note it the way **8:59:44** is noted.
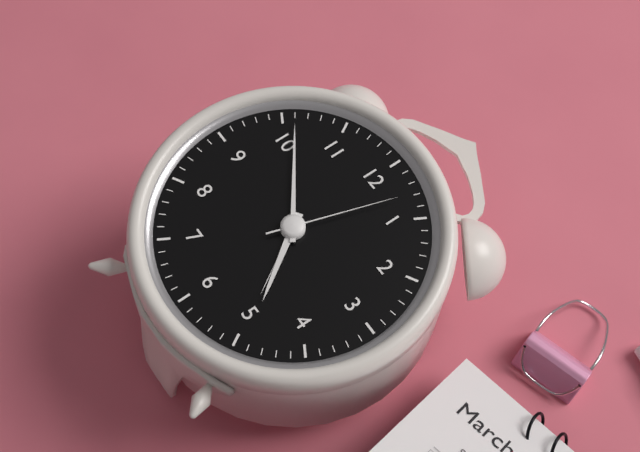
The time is **4:51:03**
